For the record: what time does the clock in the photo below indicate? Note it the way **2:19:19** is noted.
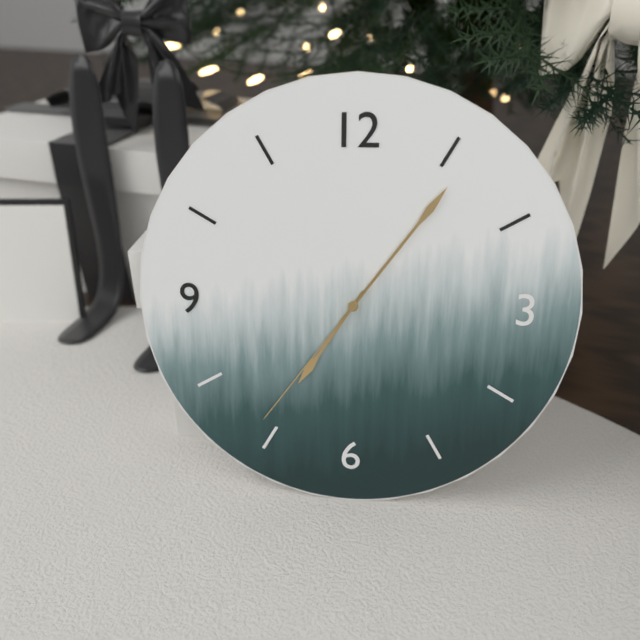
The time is **7:06:36**
